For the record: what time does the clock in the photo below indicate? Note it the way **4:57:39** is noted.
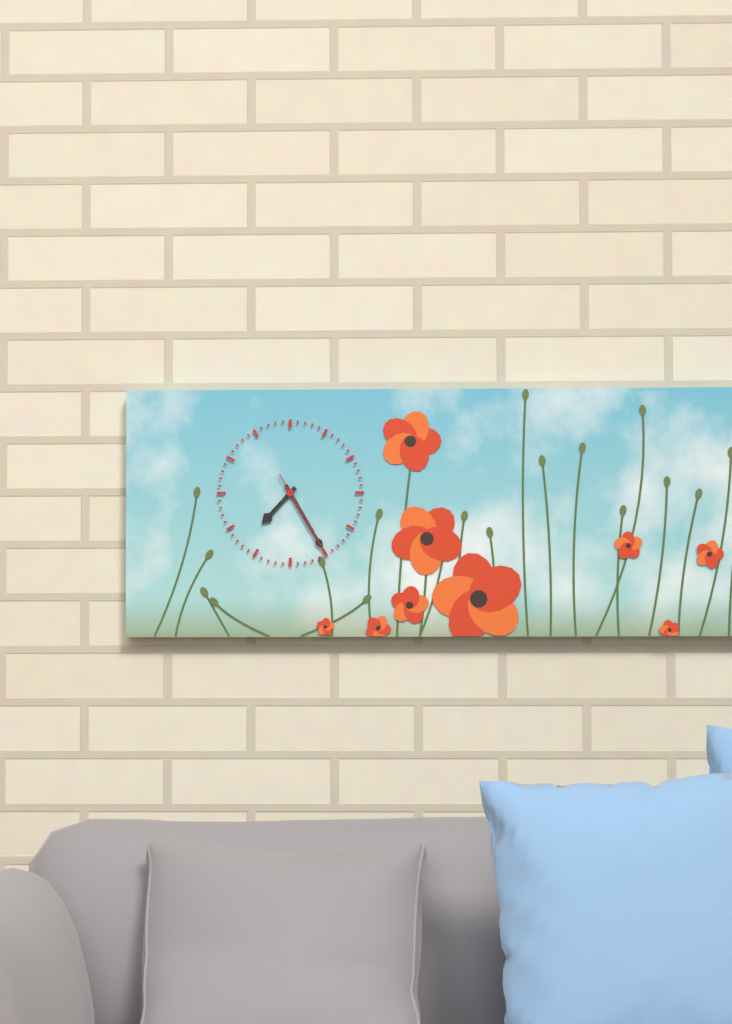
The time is **7:25:25**
